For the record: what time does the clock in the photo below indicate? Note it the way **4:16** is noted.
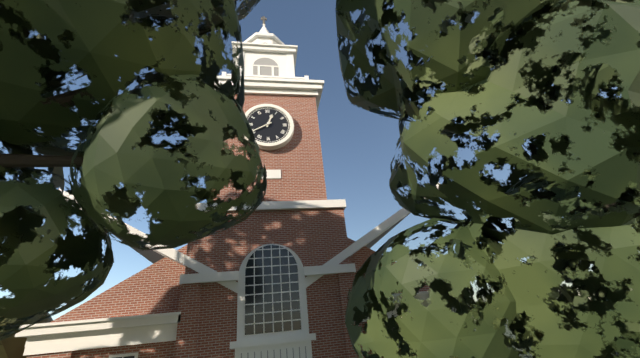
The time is **12:40**
